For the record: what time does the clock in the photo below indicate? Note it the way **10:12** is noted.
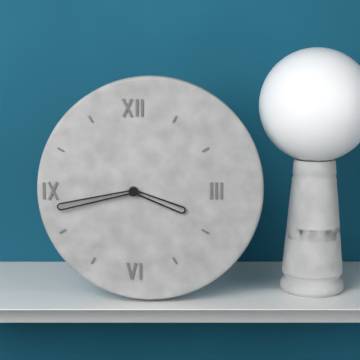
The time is **3:43**
